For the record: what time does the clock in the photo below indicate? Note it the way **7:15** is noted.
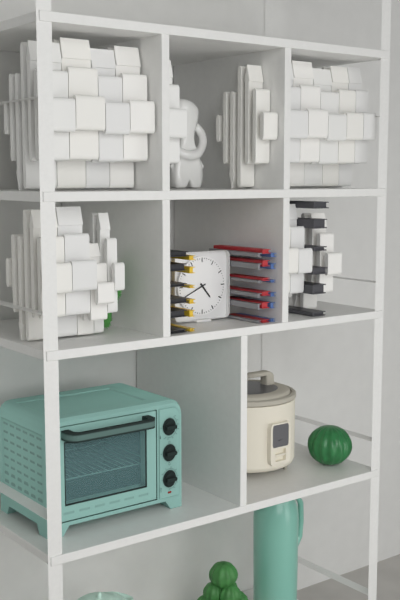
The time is **4:41**
